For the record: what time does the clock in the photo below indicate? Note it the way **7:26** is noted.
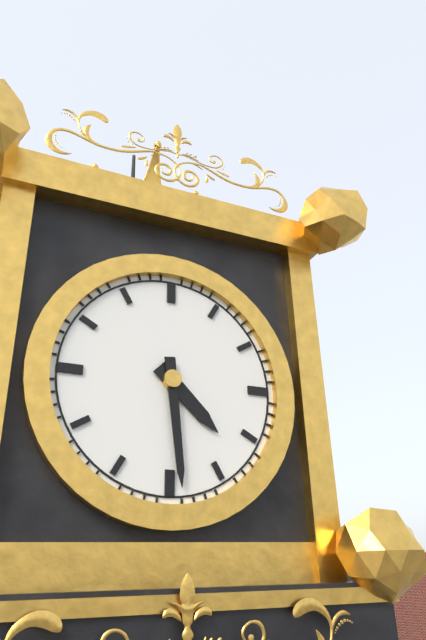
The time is **4:29**
